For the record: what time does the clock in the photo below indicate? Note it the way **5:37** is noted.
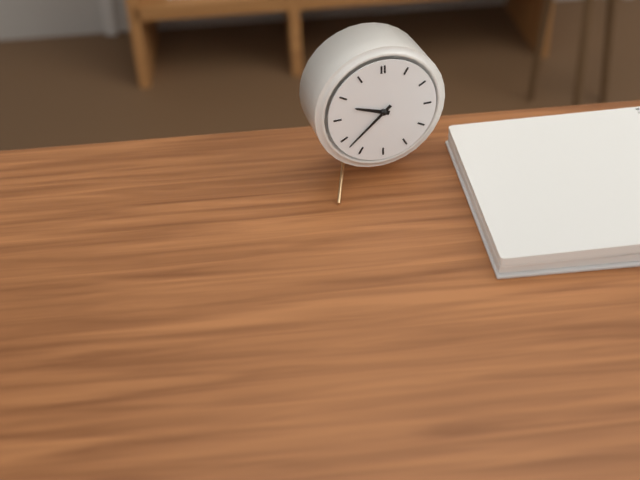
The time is **9:38**
